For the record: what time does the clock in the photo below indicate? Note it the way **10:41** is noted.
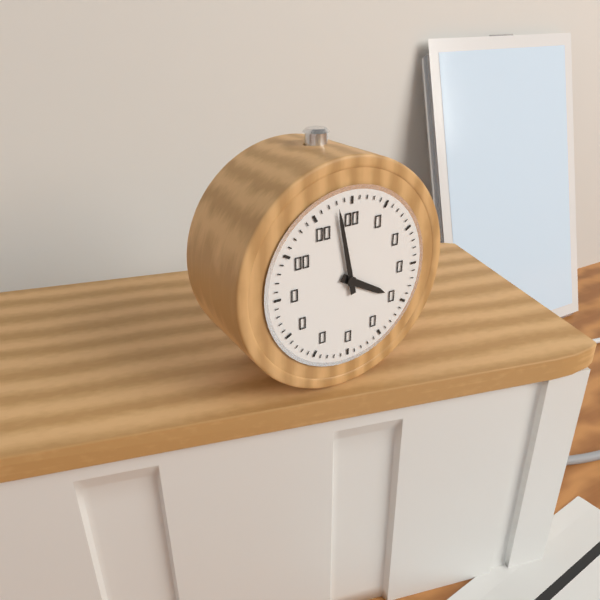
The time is **3:58**
